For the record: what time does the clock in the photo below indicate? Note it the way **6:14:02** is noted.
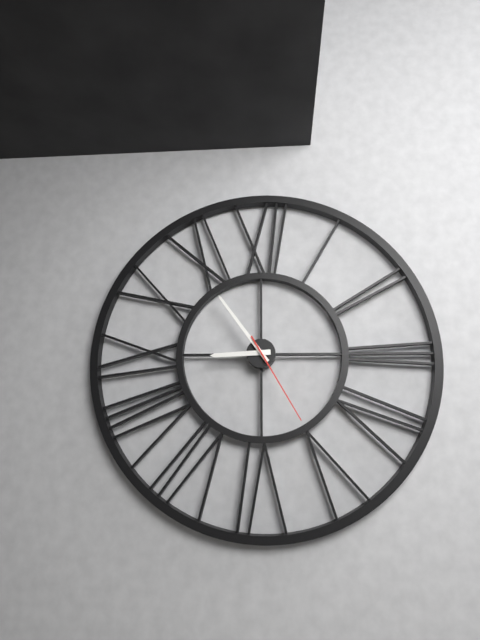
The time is **8:54:25**
